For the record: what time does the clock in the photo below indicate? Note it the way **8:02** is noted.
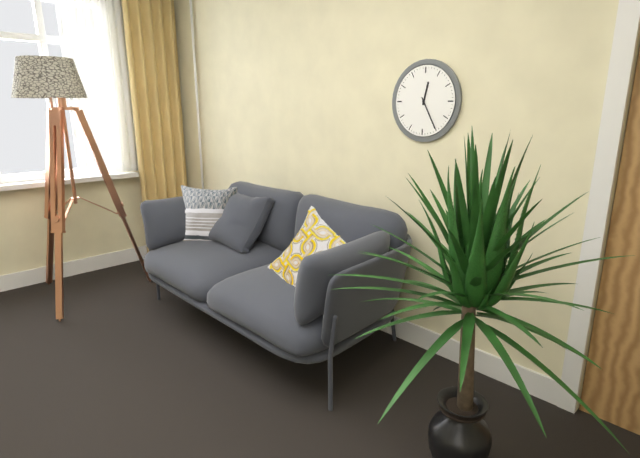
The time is **12:25**
